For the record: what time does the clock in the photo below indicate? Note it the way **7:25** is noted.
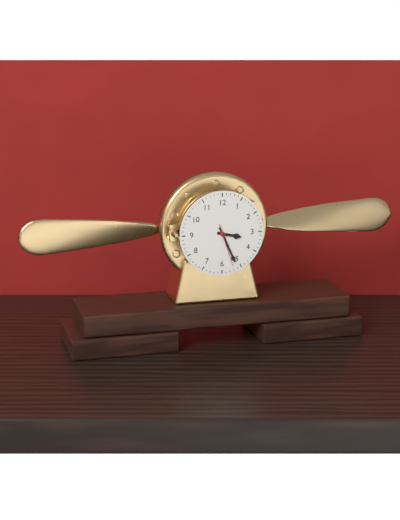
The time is **3:26**
